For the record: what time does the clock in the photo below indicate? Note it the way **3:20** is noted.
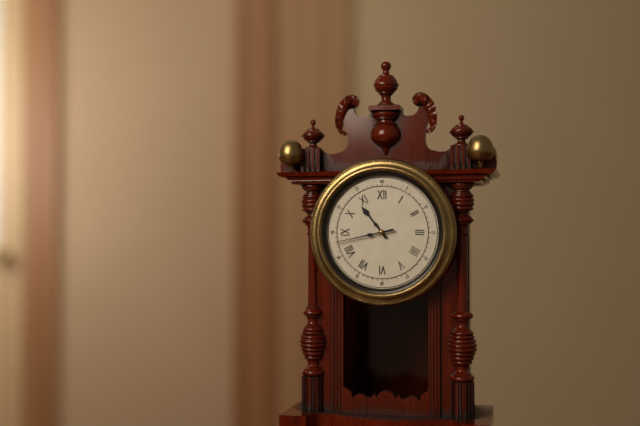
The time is **10:43**
